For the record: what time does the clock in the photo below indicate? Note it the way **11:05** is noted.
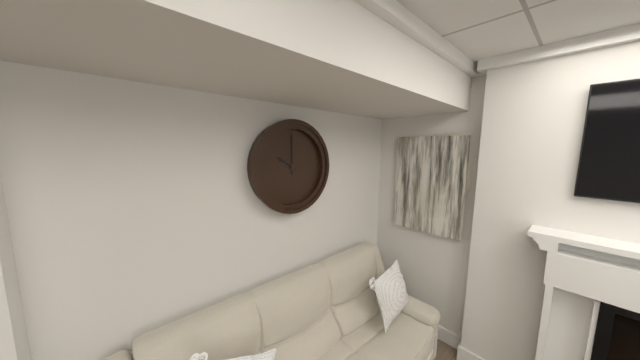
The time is **10:00**
